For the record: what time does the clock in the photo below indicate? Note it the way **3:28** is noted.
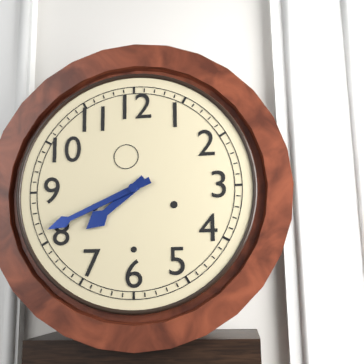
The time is **7:41**
